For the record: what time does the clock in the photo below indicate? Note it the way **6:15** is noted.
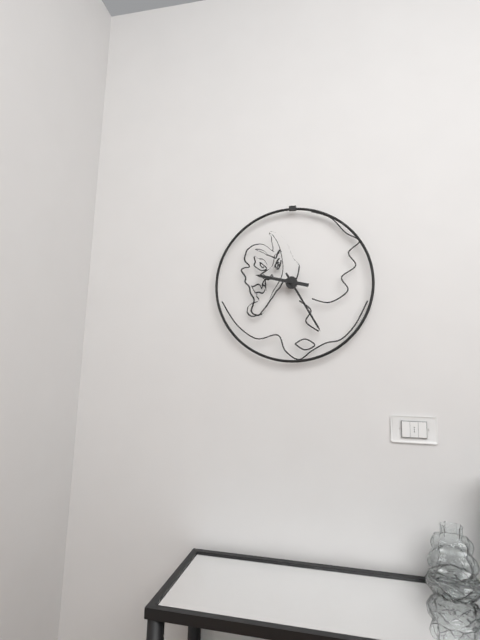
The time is **9:25**
